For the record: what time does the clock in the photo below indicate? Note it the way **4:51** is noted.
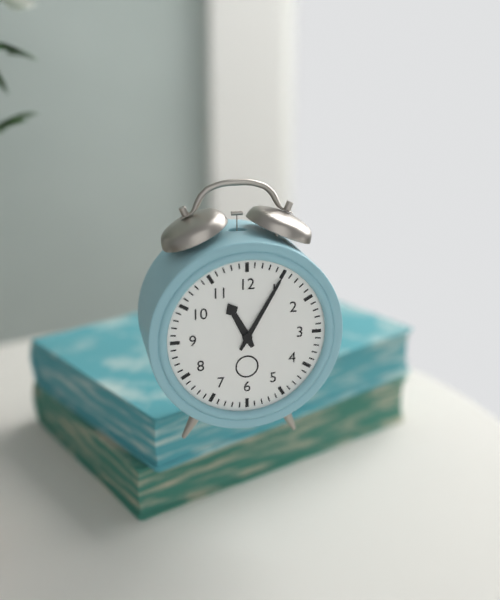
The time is **11:05**
